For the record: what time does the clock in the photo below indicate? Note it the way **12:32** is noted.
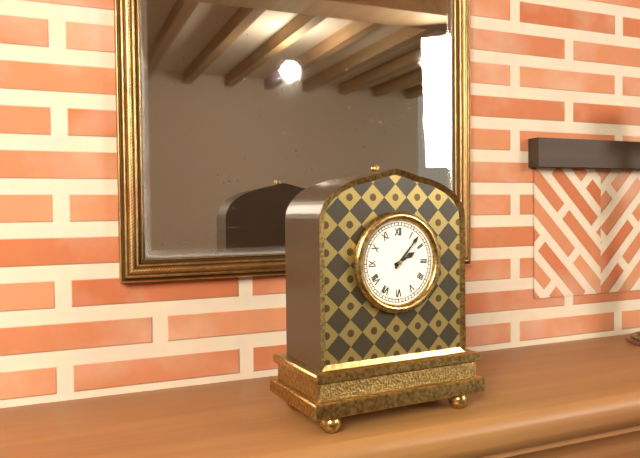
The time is **2:07**
